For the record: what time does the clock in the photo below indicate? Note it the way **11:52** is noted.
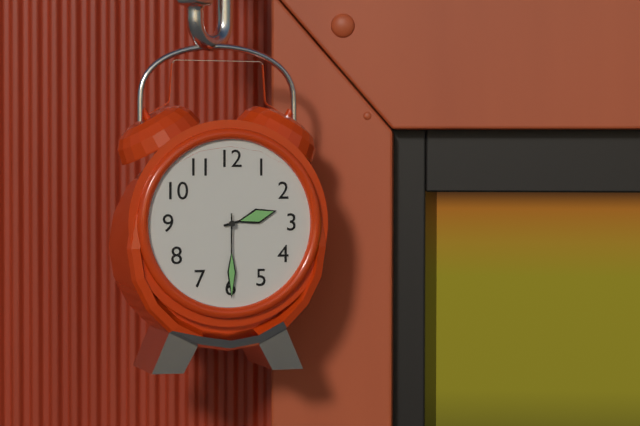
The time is **2:30**
